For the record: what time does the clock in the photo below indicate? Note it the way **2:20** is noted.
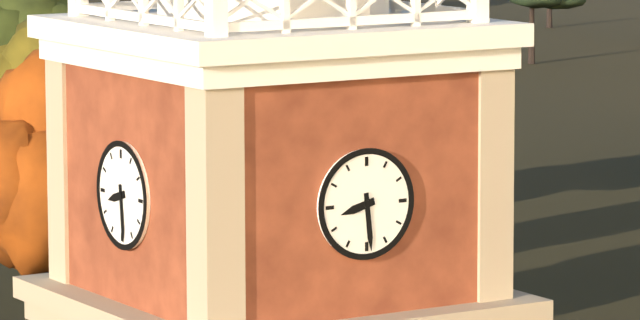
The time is **8:29**
